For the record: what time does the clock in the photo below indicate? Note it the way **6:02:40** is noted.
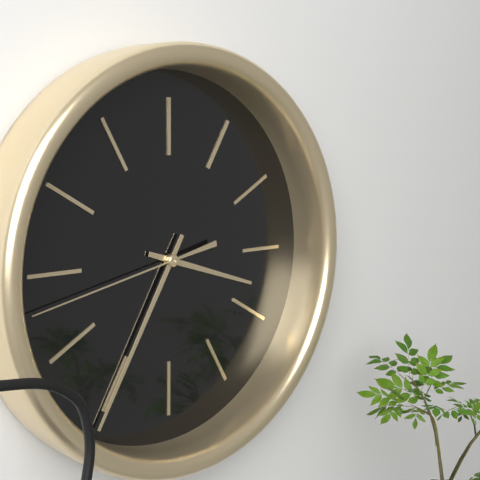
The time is **3:35:43**
